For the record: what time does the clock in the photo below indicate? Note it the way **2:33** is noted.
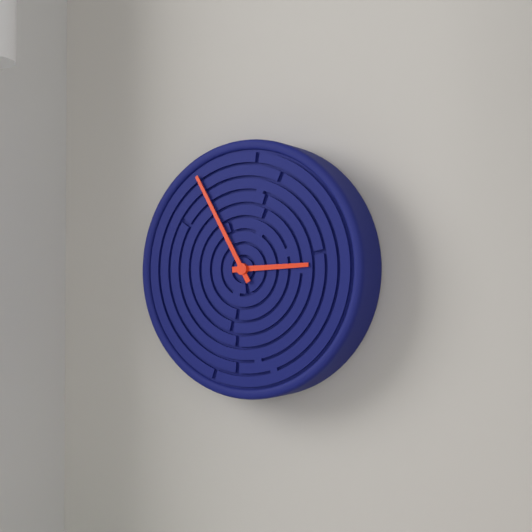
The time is **2:55**
